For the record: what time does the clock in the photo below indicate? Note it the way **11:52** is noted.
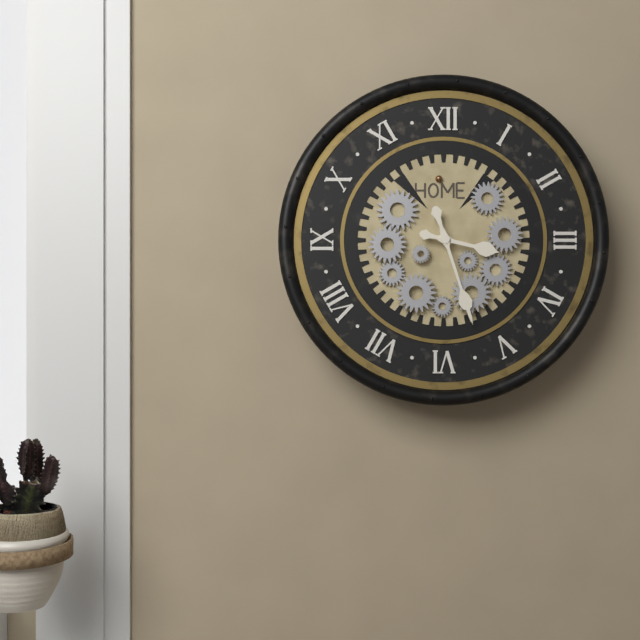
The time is **3:27**
